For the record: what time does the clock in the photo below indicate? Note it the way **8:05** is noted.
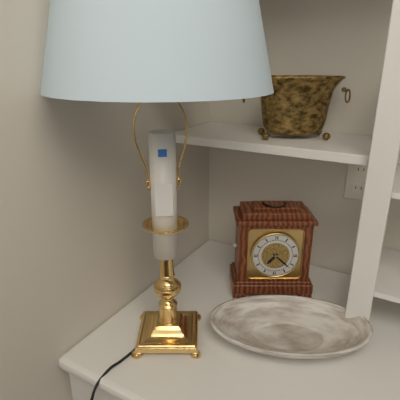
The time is **7:22**
